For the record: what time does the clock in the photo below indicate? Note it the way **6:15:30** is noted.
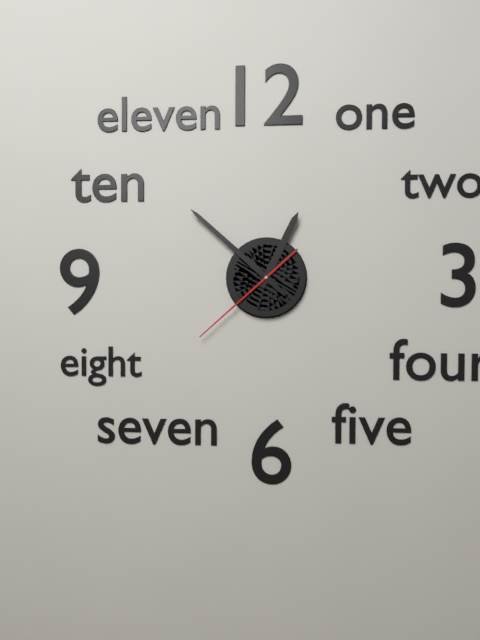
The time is **12:52:38**
